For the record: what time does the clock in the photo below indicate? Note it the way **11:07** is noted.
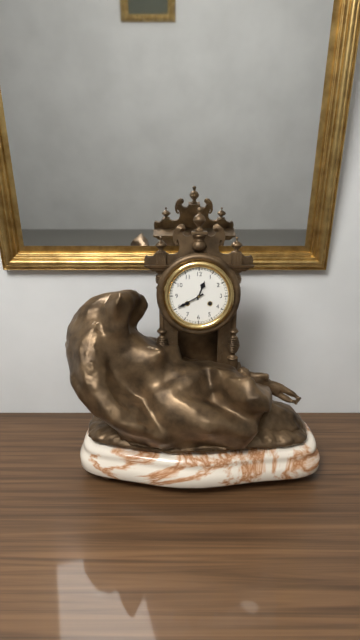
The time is **12:40**
